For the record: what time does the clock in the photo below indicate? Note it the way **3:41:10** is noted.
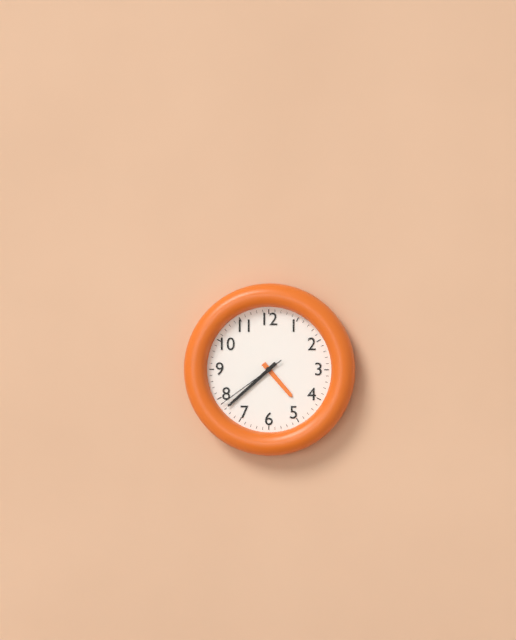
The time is **4:38:39**
